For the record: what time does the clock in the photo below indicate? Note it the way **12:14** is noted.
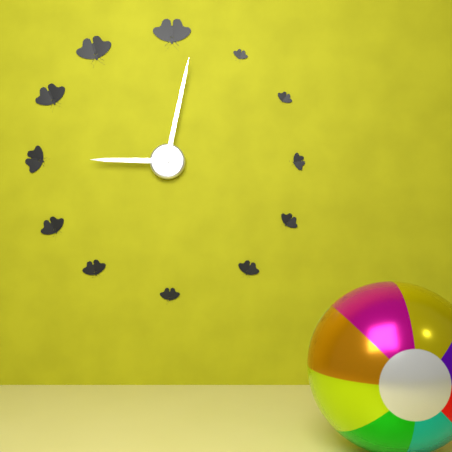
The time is **9:02**
